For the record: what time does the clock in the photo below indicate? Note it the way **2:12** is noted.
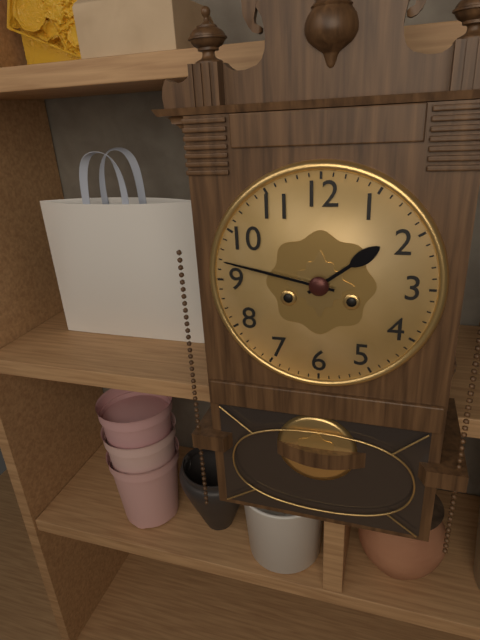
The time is **1:47**
